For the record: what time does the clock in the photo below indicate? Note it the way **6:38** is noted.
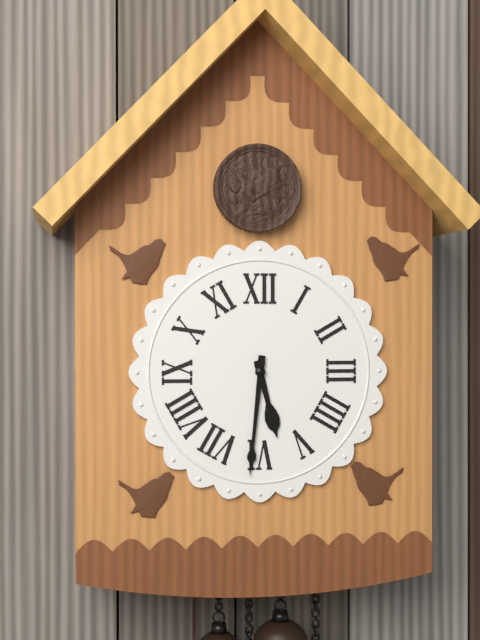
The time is **5:31**
